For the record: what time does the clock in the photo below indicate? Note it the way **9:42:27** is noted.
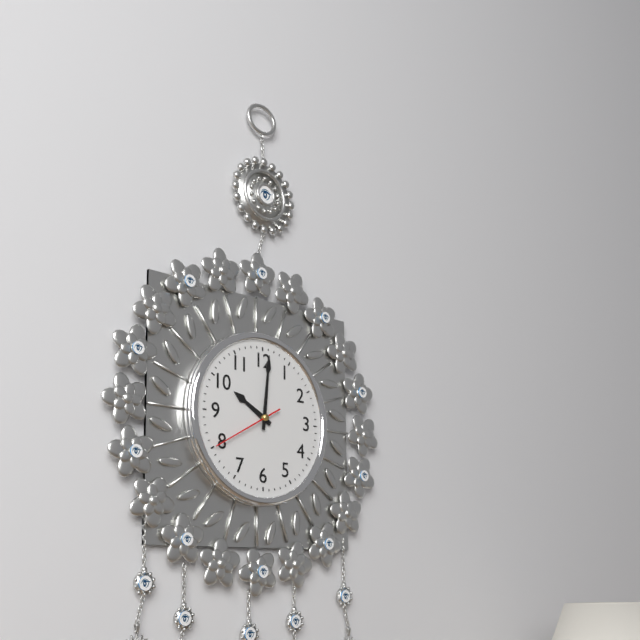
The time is **10:01:40**
